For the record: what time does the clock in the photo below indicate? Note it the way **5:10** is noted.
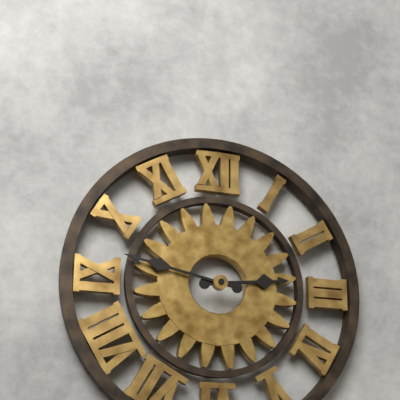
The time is **2:47**
